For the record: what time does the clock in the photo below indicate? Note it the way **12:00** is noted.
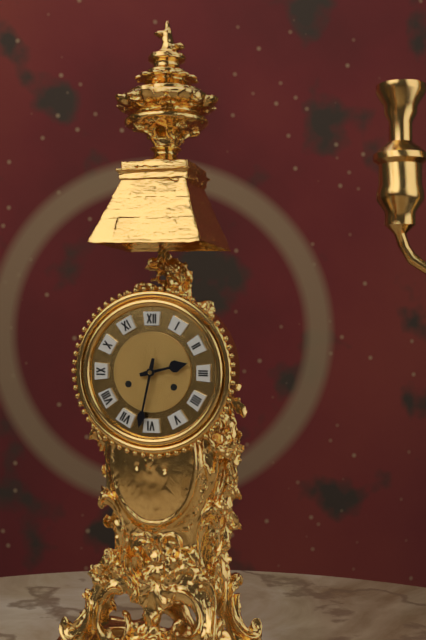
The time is **2:32**
